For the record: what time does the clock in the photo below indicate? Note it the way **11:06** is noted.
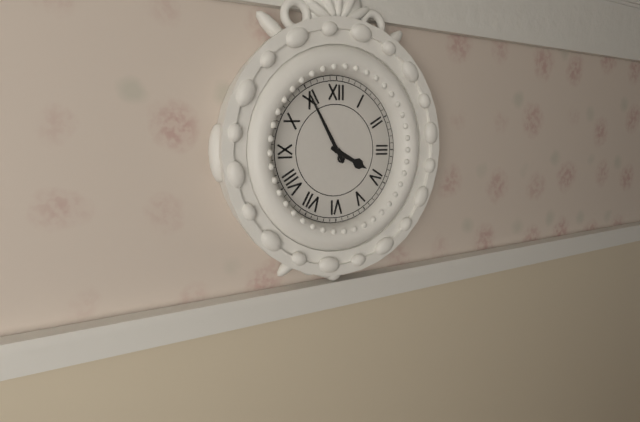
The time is **3:55**
